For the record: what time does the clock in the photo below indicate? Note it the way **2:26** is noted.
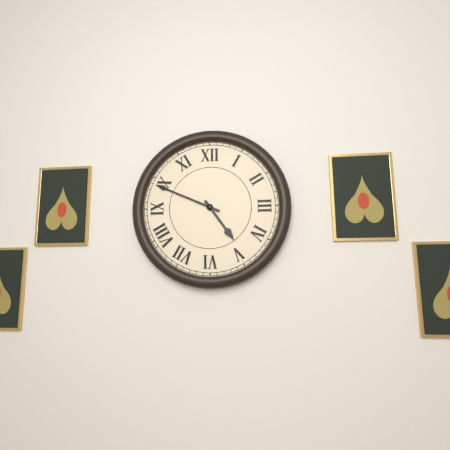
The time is **4:49**
